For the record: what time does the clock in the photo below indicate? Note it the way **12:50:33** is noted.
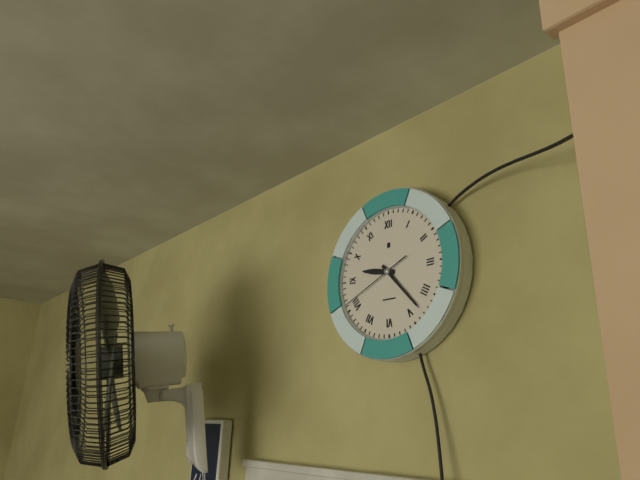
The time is **9:23:41**
